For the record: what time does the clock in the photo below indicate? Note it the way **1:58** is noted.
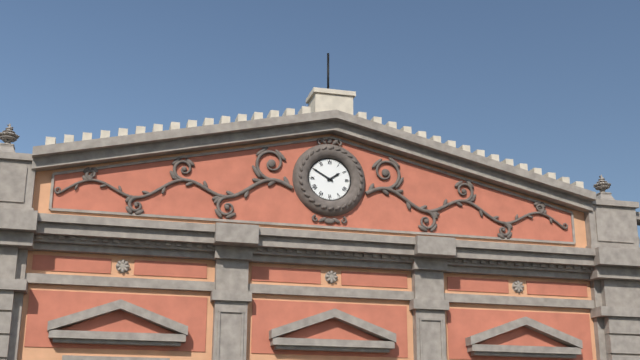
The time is **1:50**
